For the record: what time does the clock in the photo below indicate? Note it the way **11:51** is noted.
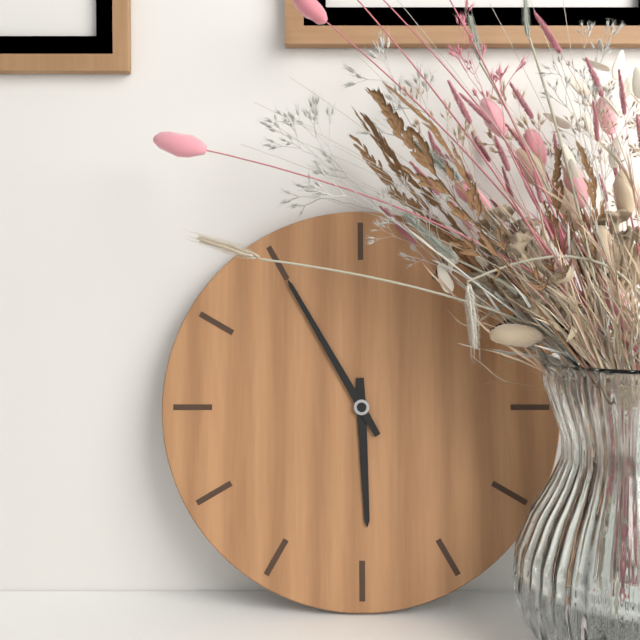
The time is **5:55**
